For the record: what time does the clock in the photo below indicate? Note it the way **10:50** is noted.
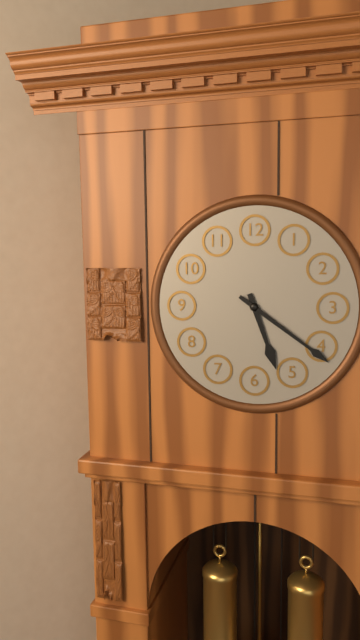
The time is **5:21**
